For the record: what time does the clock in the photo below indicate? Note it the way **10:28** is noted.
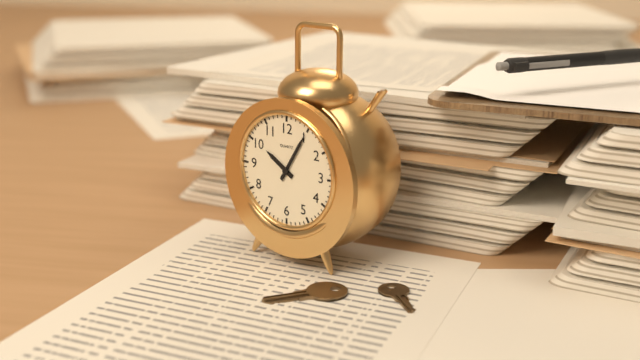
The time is **10:05**
